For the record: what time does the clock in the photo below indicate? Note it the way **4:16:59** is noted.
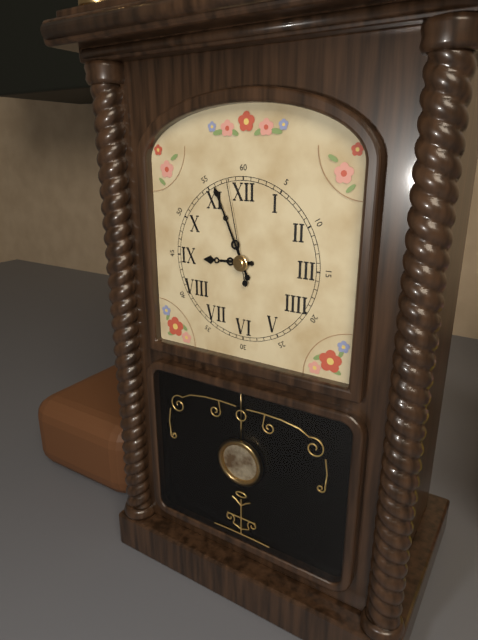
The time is **8:56:58**
